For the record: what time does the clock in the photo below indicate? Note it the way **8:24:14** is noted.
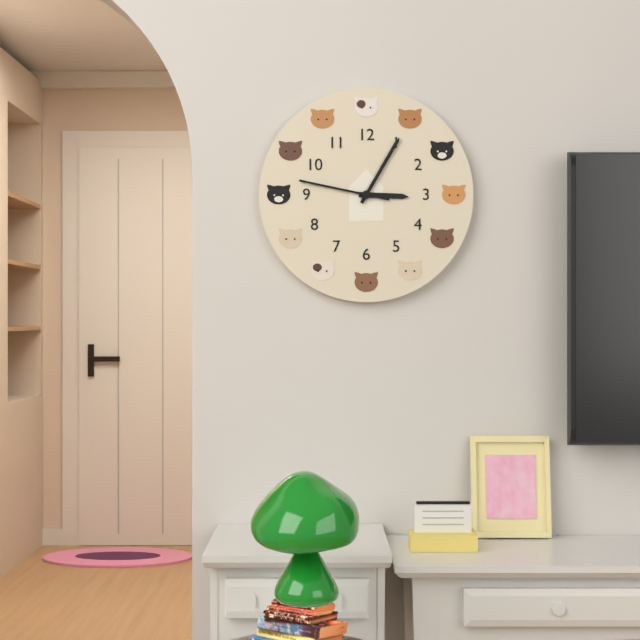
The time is **3:05:47**
